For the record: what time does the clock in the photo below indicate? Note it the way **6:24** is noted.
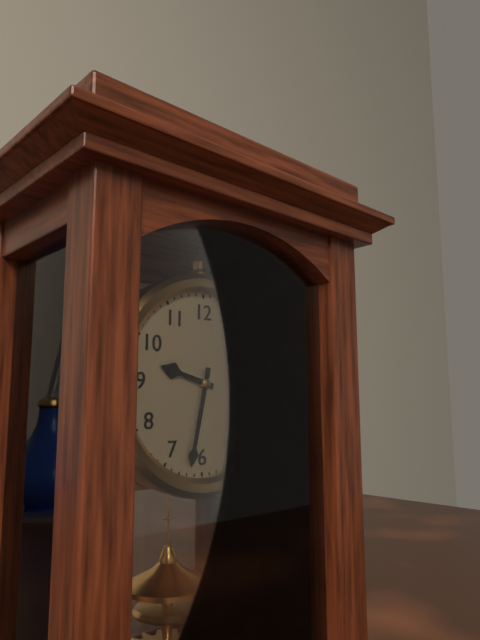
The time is **9:32**
